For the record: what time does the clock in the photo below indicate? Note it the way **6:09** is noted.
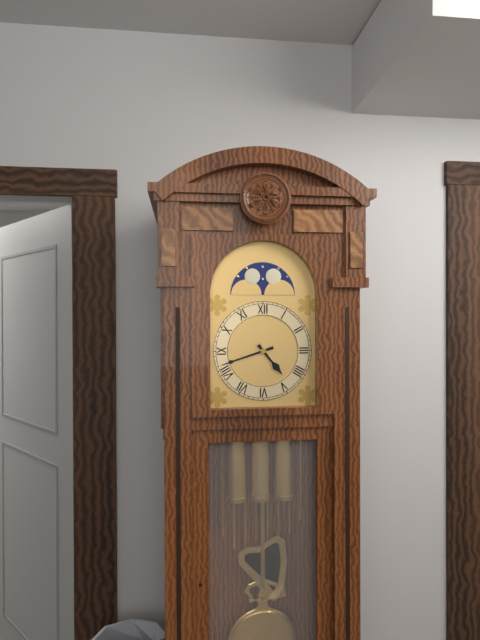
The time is **4:42**
